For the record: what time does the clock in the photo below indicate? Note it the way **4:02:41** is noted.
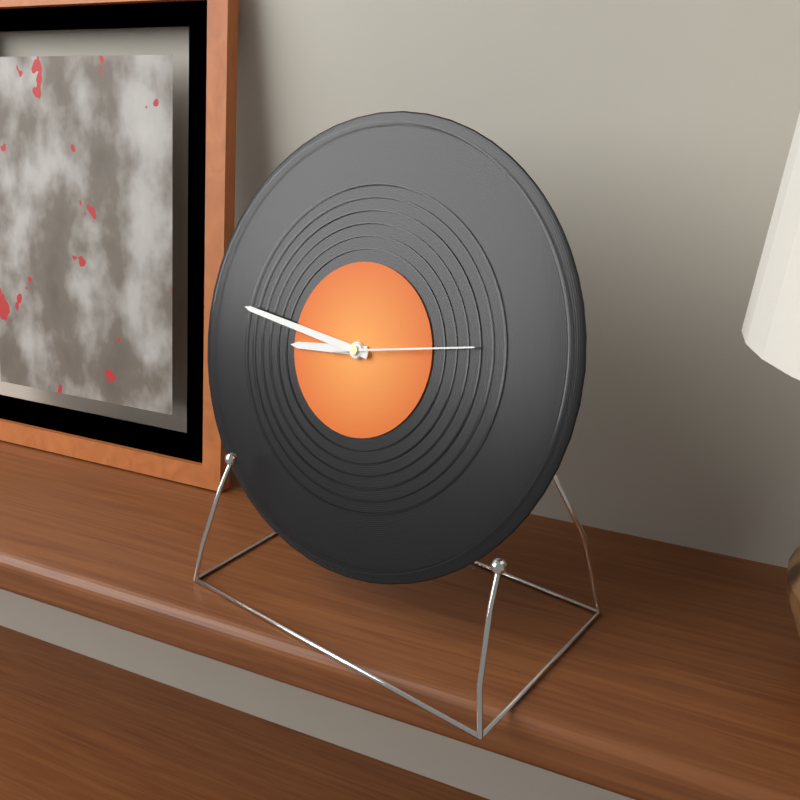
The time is **8:46:13**
